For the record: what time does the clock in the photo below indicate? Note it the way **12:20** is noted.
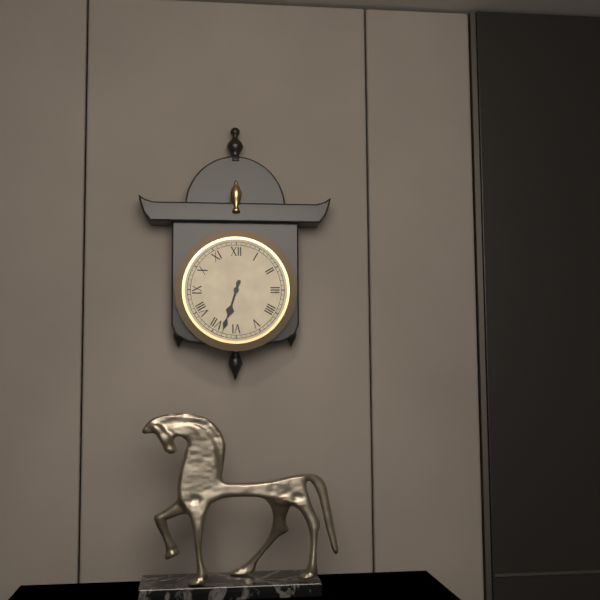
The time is **6:33**
